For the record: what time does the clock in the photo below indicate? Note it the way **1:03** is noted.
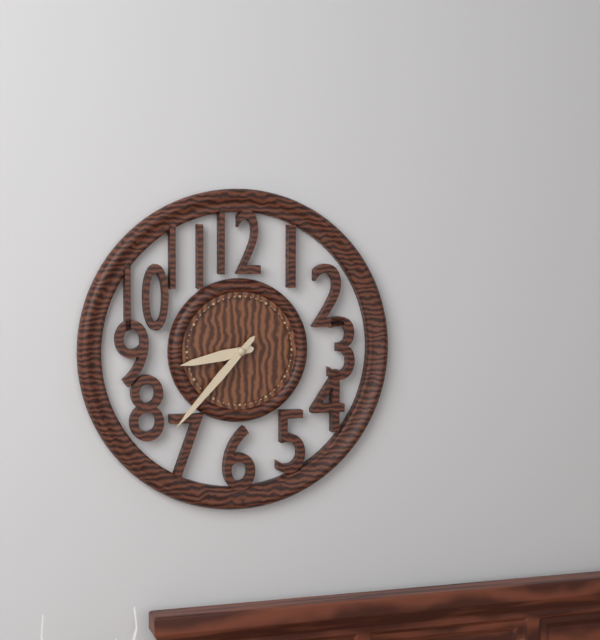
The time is **8:37**
